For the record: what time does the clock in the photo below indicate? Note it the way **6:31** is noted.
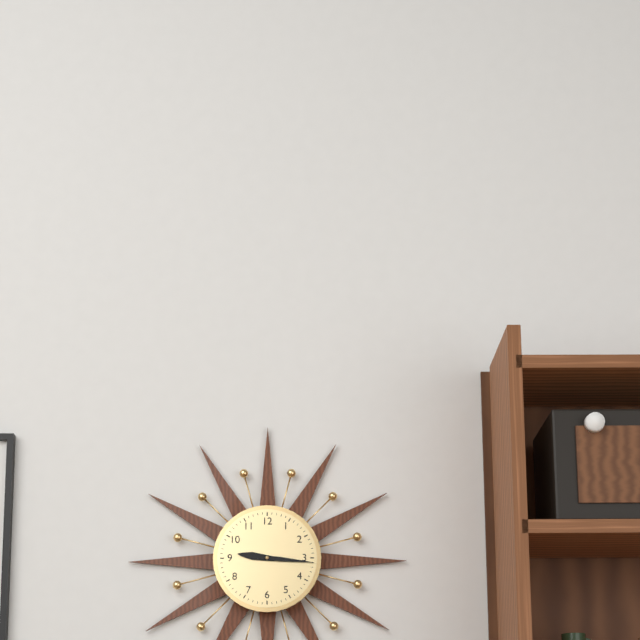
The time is **9:16**
